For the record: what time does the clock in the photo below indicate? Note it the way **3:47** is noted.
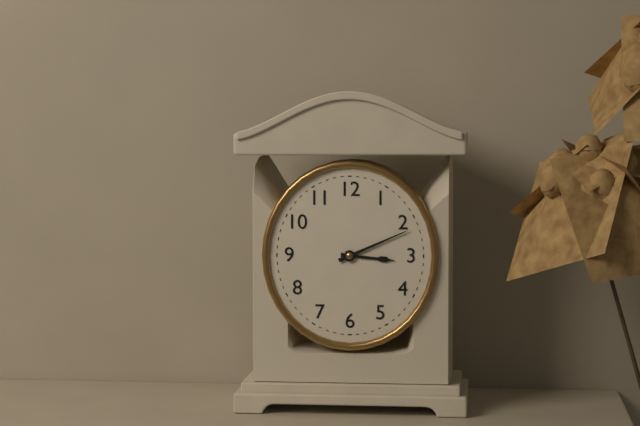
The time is **3:11**
